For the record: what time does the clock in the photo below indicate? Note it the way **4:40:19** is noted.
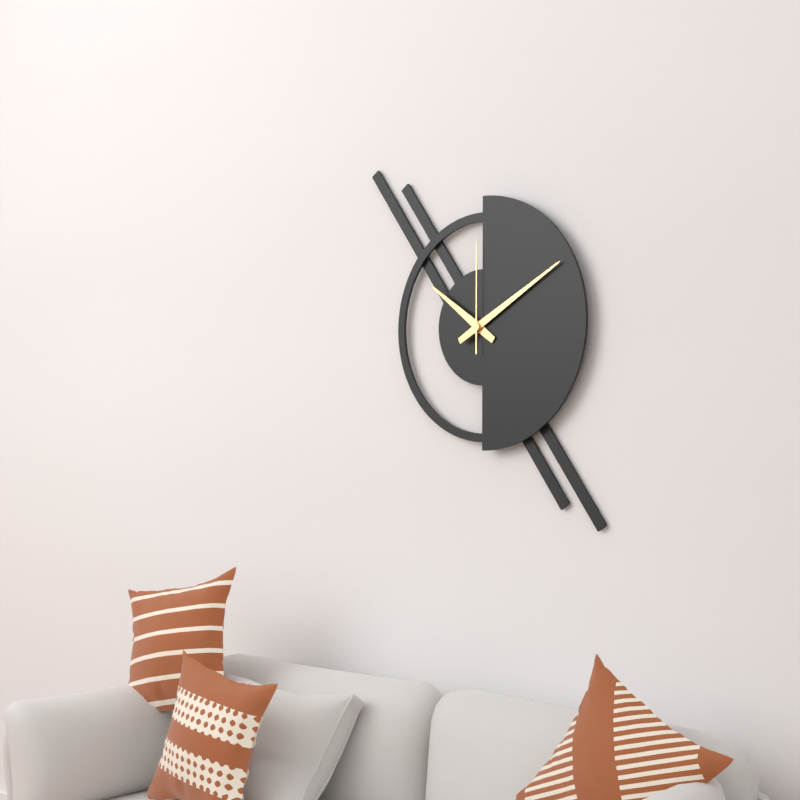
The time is **10:10:00**
